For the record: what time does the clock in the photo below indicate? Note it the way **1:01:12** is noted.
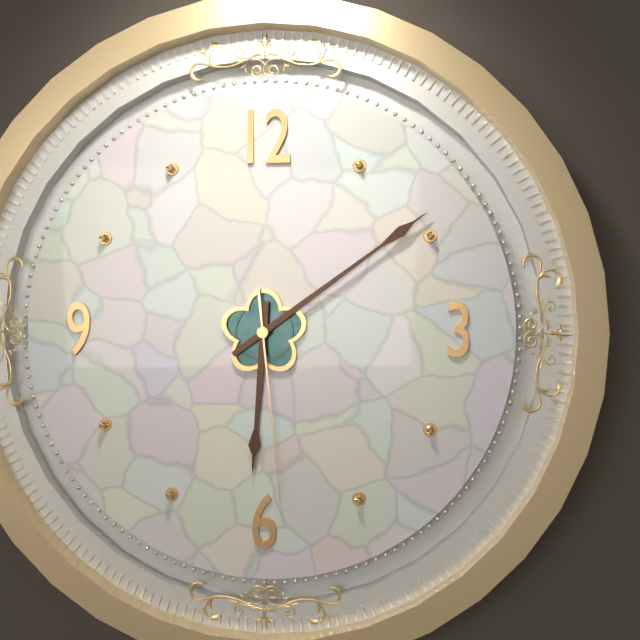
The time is **6:09:29**
